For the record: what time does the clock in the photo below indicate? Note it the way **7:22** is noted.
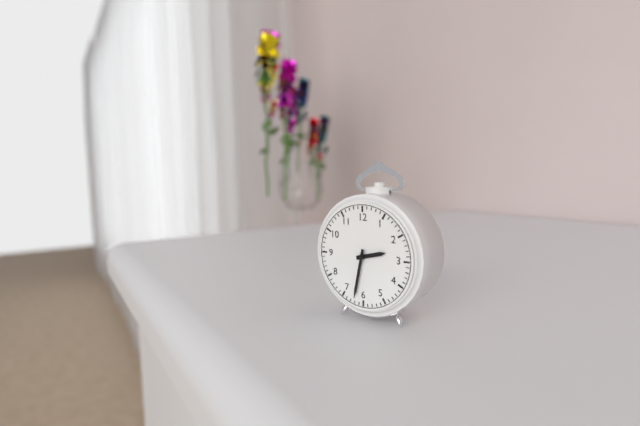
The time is **2:32**
